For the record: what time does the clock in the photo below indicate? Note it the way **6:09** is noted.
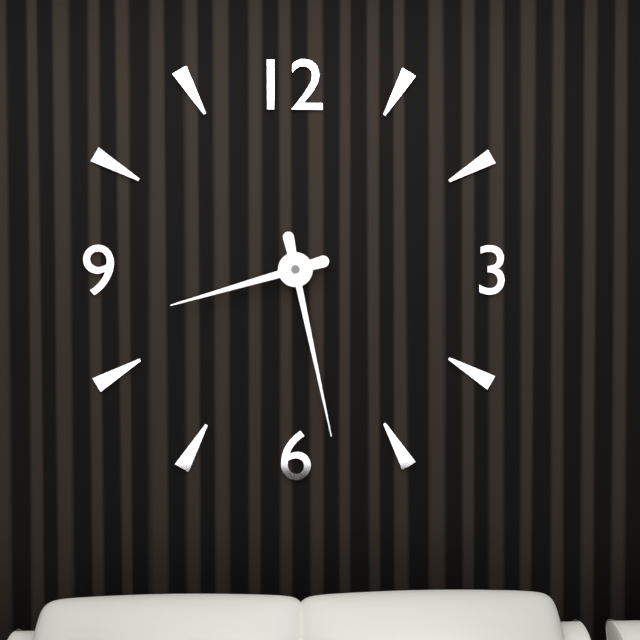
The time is **8:28**
